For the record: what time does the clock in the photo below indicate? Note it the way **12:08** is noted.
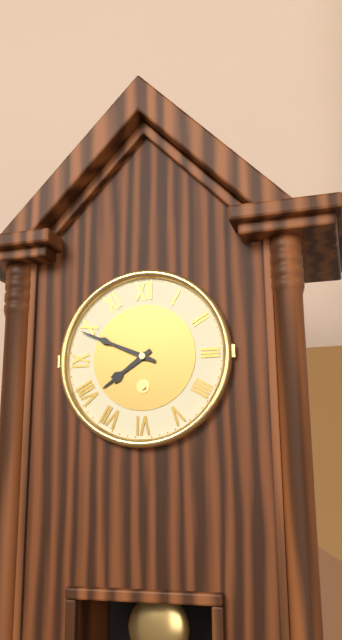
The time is **7:49**
